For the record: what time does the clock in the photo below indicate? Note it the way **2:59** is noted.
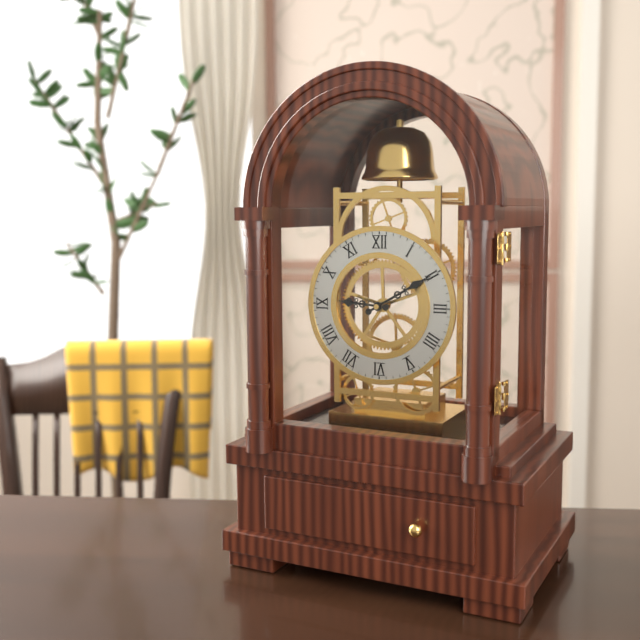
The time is **9:10**
